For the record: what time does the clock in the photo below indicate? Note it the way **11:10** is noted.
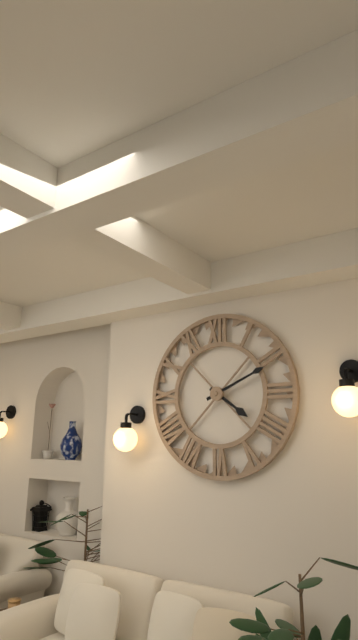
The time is **4:11**
